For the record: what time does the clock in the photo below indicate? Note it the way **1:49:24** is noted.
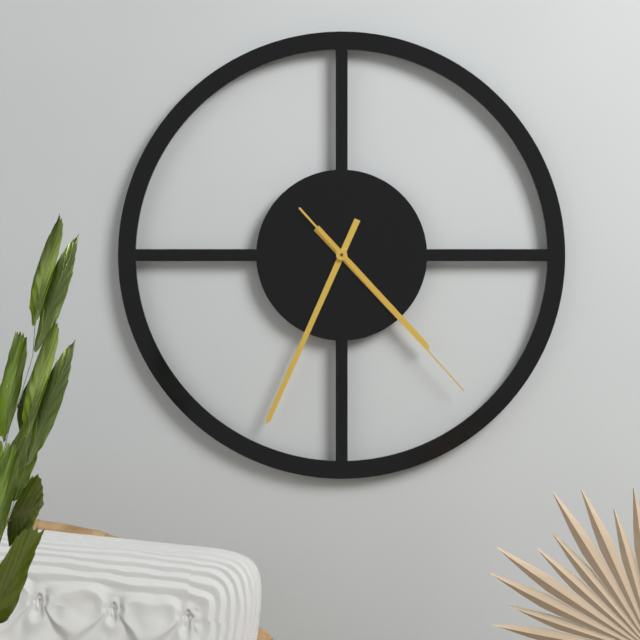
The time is **4:34:23**
